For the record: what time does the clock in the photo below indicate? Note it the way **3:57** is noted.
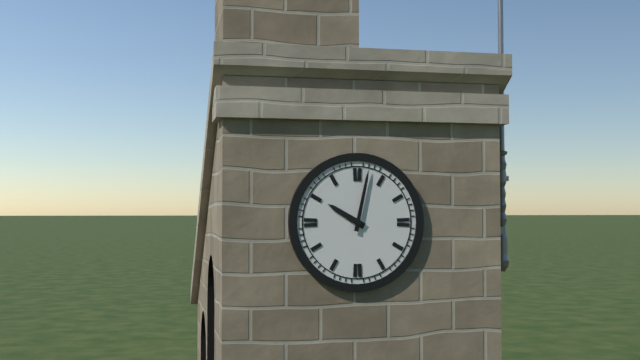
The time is **10:02**
